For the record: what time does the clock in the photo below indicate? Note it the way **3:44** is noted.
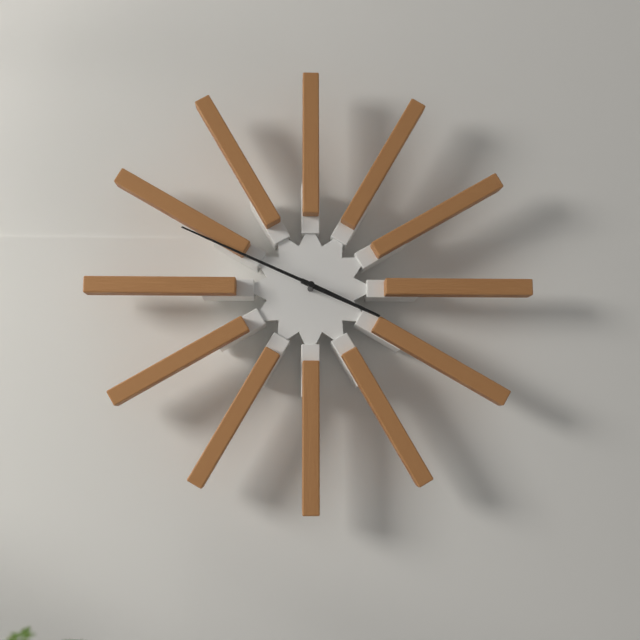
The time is **3:49**
